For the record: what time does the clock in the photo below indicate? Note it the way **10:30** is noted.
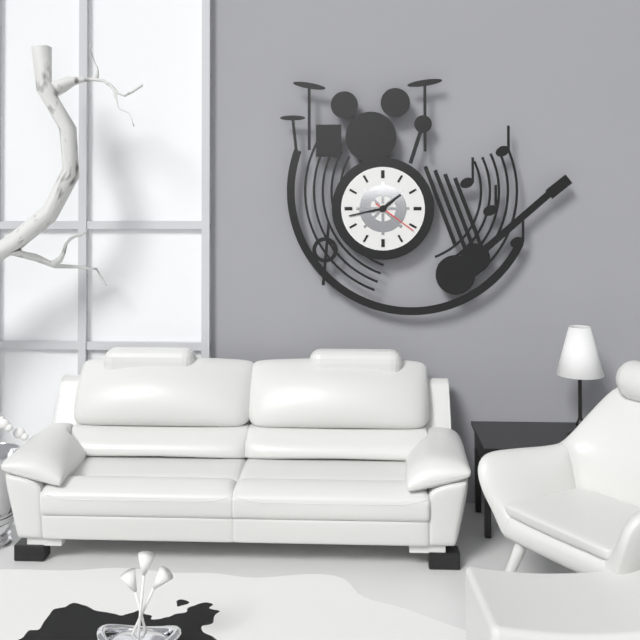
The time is **1:43**
